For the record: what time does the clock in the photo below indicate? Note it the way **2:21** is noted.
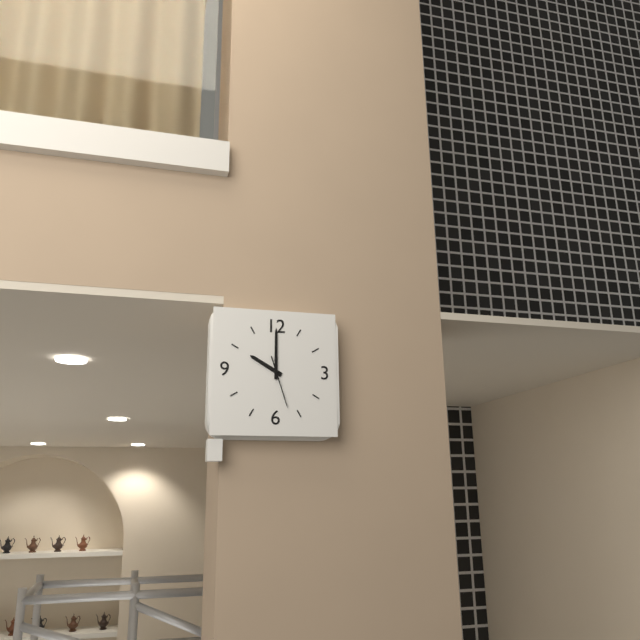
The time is **10:00**
